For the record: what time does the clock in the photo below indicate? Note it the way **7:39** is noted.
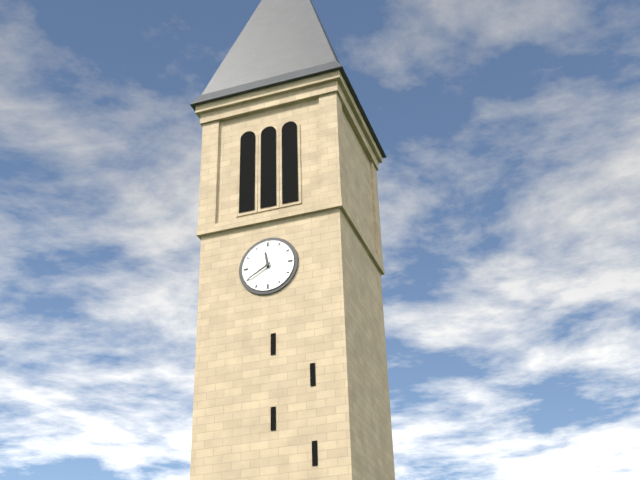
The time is **11:40**
